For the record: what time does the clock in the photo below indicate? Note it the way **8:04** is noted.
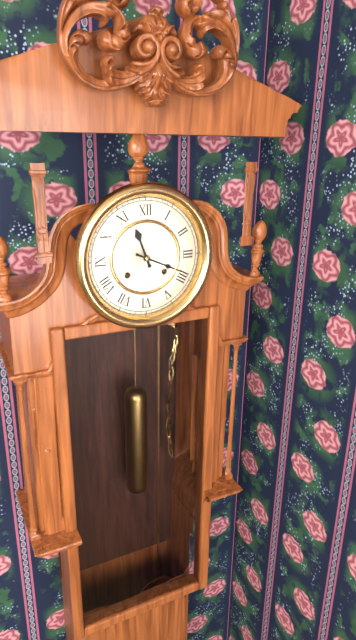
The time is **11:19**
